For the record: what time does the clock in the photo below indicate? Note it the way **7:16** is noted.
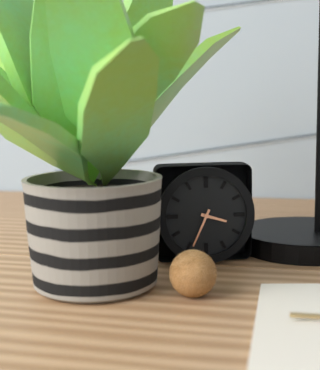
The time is **3:34**
